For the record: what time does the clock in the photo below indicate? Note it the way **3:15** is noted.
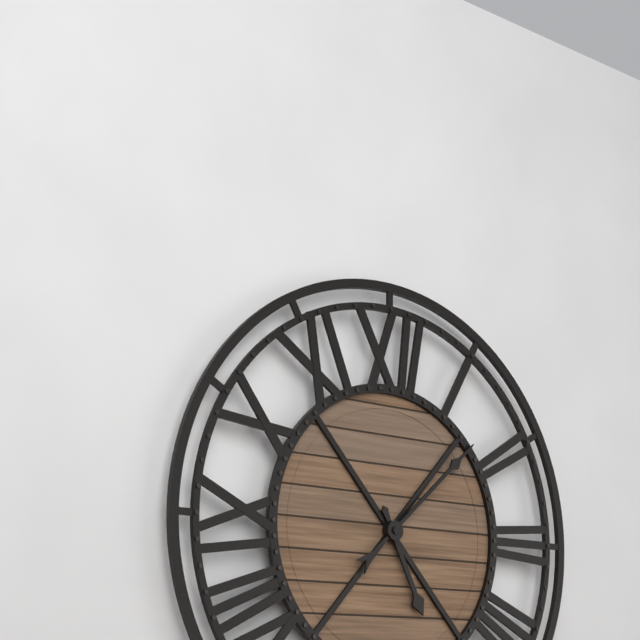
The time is **5:08**
